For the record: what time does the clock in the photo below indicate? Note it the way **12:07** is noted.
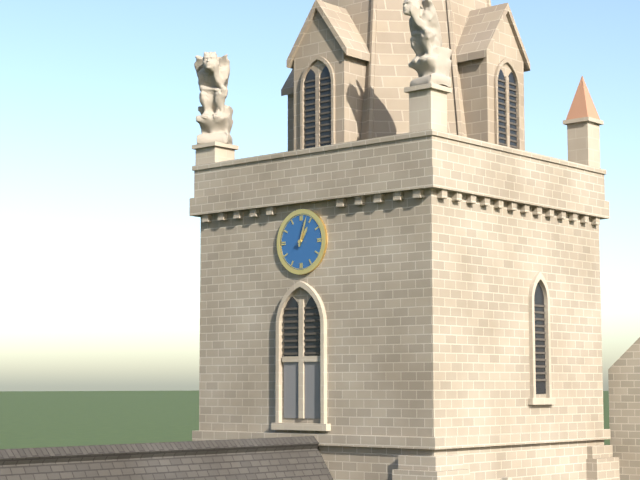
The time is **1:03**
